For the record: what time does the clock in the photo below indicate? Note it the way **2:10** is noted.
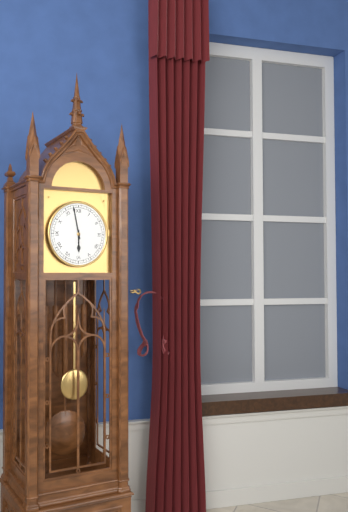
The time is **5:58**
